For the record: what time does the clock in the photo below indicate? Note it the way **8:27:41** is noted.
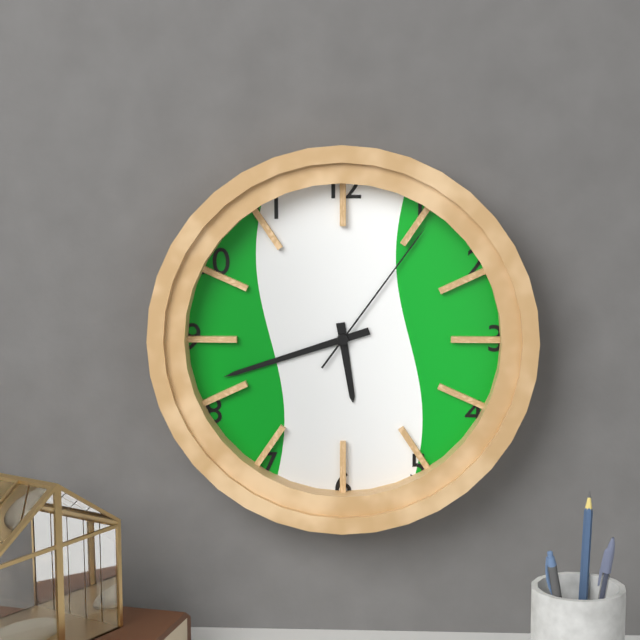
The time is **5:42:06**
